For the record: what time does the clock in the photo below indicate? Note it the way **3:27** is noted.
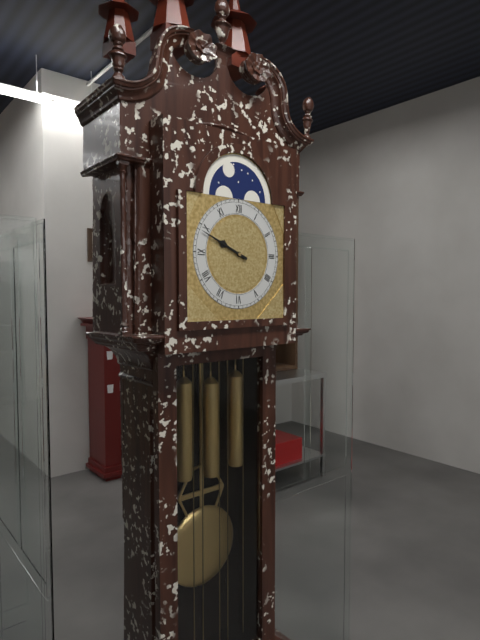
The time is **9:49**
